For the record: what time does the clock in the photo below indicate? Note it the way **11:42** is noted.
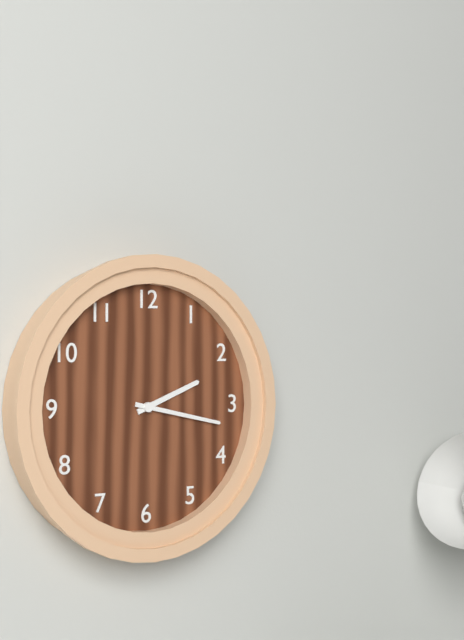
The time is **2:17**
